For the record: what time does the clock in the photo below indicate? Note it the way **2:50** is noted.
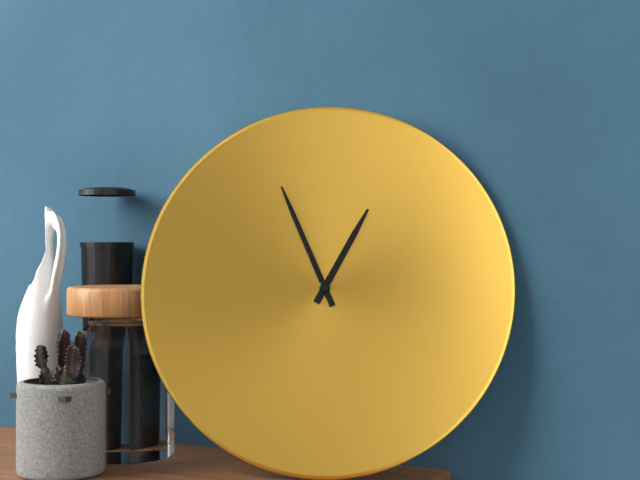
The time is **12:56**
